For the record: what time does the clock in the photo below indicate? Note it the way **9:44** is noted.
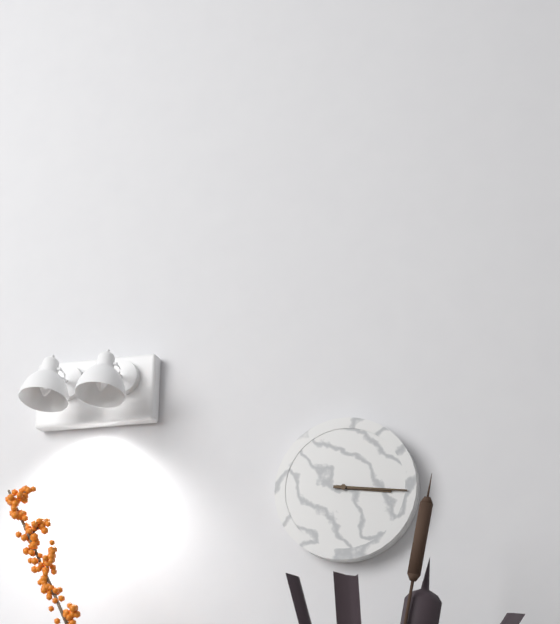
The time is **3:16**
